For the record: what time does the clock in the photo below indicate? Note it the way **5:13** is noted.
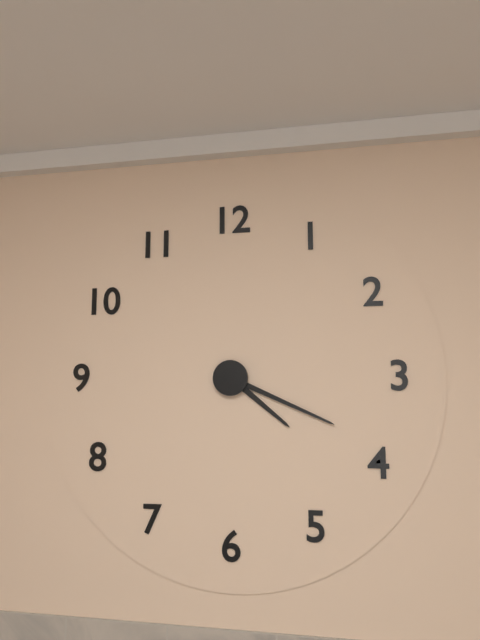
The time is **4:19**
